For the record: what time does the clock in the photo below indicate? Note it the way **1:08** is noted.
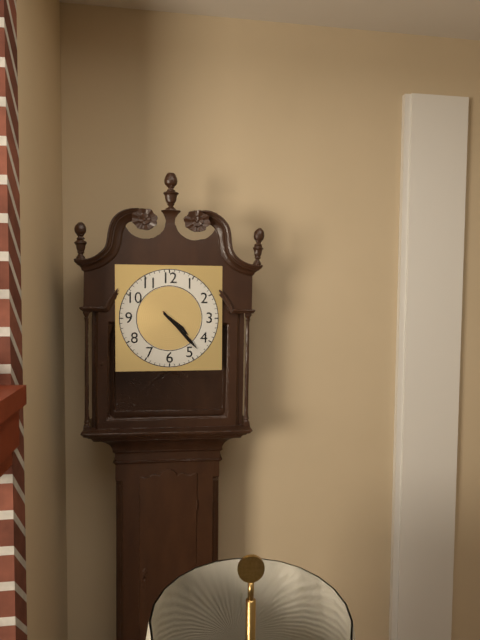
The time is **4:23**
